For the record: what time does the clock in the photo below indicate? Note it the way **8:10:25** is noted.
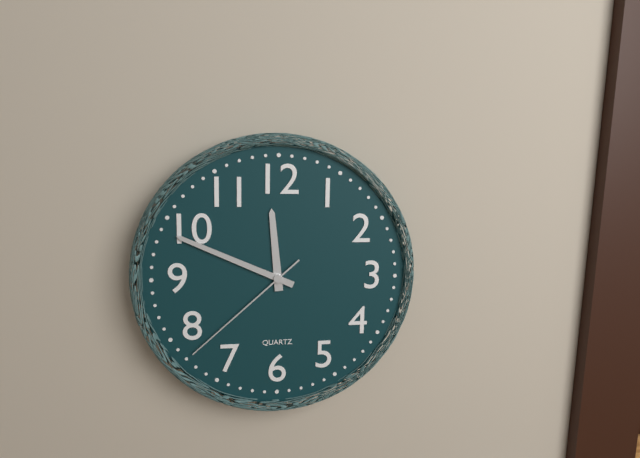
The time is **11:49:38**
